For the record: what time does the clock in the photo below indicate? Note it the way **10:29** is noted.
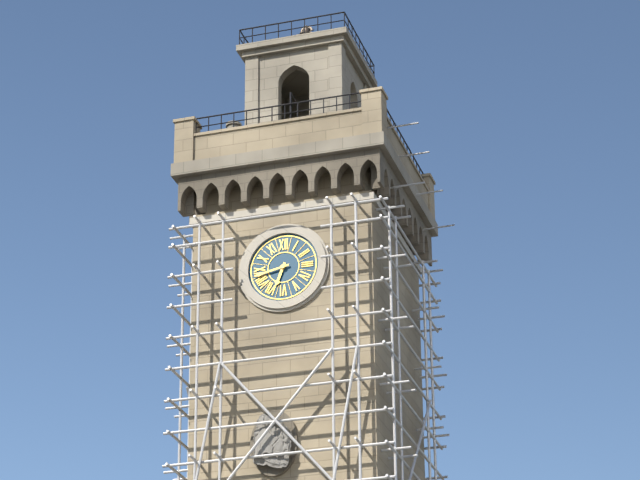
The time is **6:43**
